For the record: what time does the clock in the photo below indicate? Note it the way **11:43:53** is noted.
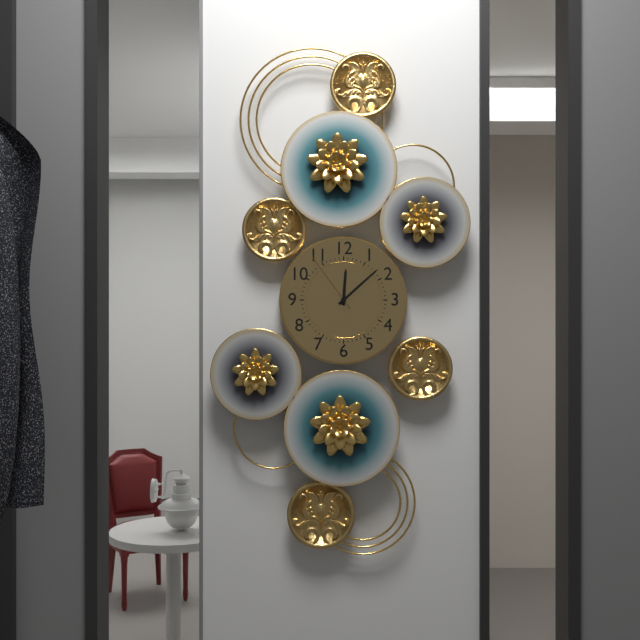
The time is **12:08:54**
